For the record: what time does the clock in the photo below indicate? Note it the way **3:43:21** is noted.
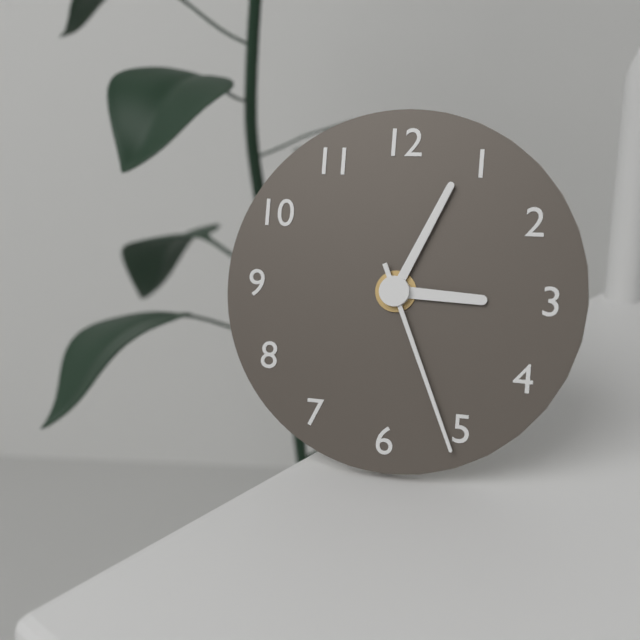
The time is **3:04:26**
